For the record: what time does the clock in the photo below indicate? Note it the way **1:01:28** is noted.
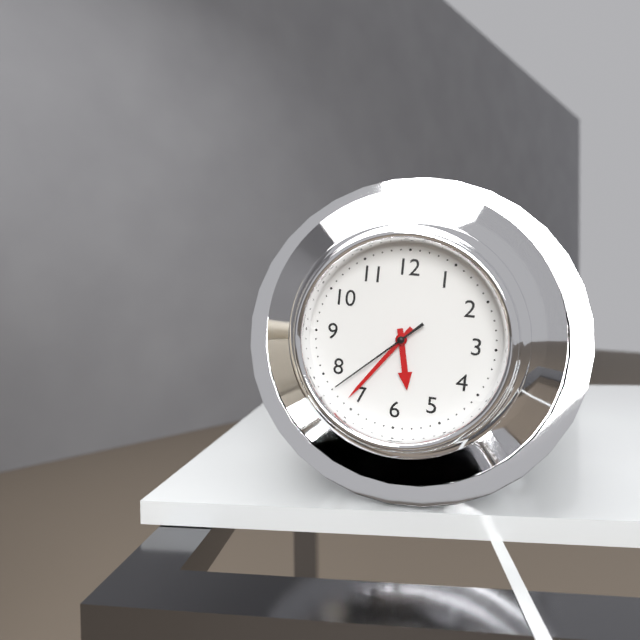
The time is **5:36:38**
